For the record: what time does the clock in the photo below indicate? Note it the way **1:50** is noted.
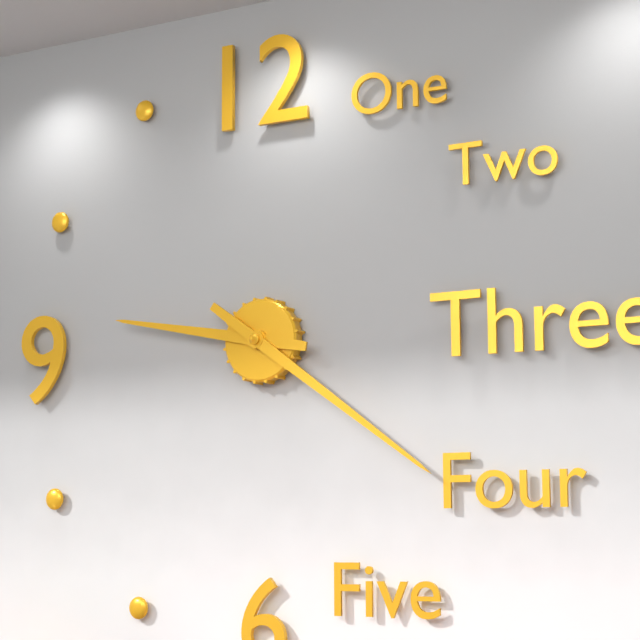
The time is **9:21**
